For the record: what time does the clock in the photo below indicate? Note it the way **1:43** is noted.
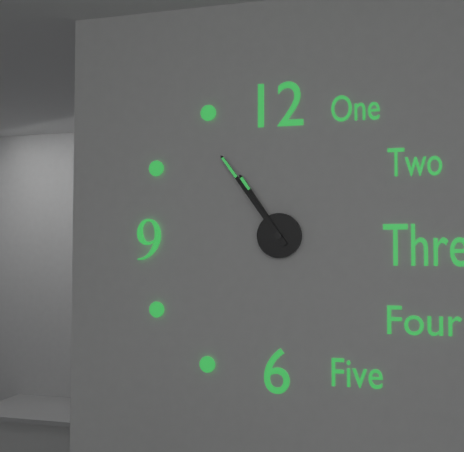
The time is **10:54**
